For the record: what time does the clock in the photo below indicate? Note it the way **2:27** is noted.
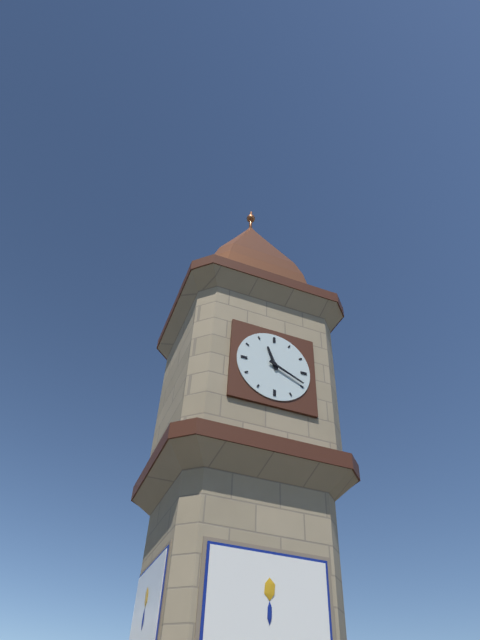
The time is **11:19**
